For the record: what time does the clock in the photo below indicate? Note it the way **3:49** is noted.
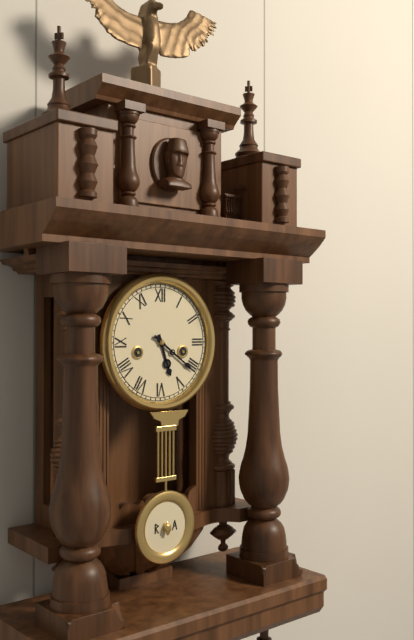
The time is **5:21**
